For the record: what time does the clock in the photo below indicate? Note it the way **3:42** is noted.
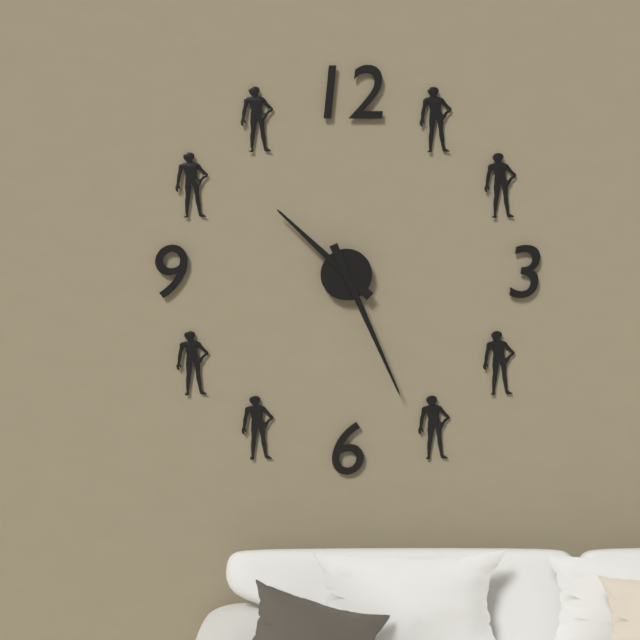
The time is **10:26**
